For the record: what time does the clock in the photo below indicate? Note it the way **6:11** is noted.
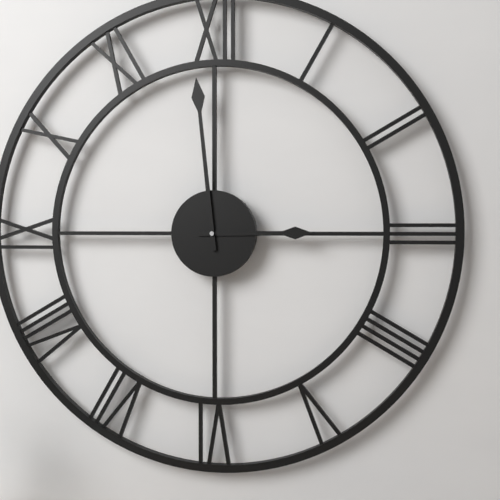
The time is **2:59**
